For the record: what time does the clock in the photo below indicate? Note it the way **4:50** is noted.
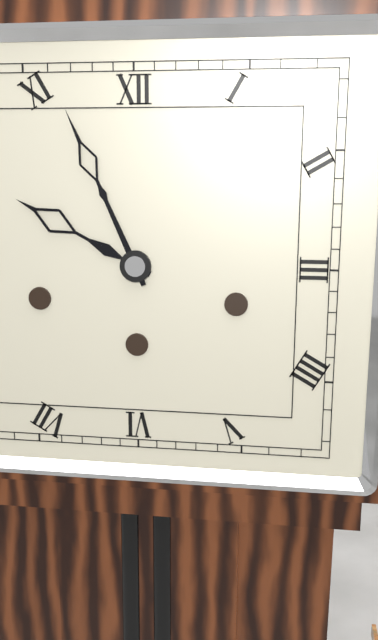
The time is **9:56**
